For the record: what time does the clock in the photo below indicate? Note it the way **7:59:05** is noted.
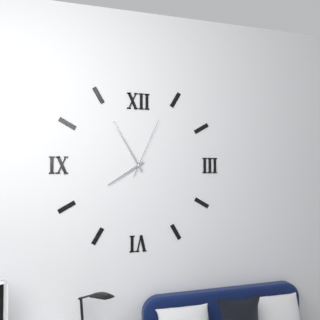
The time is **7:55:04**
